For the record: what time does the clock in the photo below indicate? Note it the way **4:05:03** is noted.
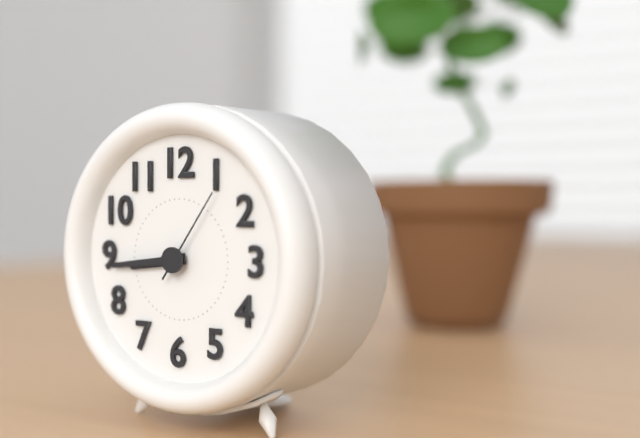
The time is **8:44:06**
